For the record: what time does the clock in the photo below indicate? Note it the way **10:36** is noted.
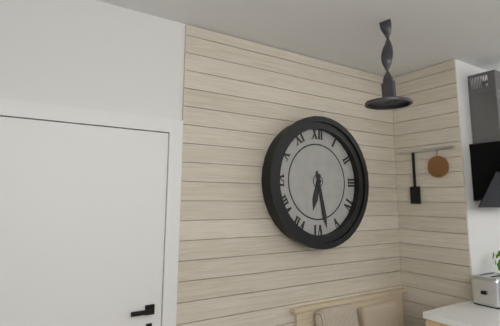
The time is **6:28**
